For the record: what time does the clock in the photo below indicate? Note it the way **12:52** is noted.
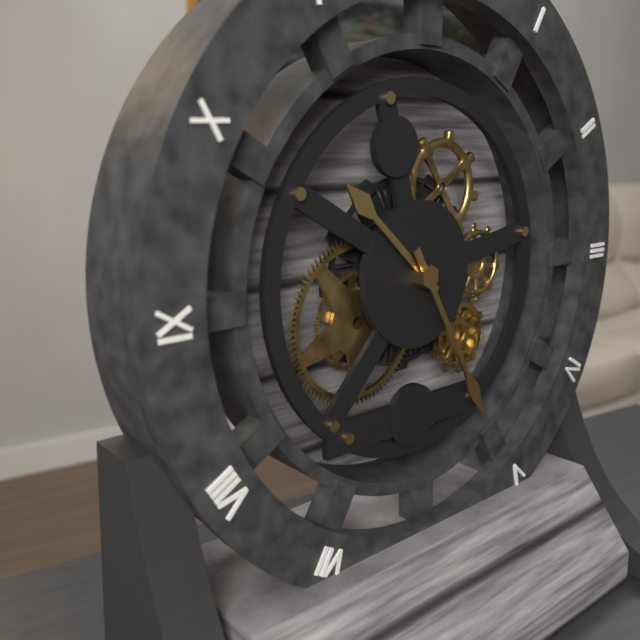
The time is **10:25**
